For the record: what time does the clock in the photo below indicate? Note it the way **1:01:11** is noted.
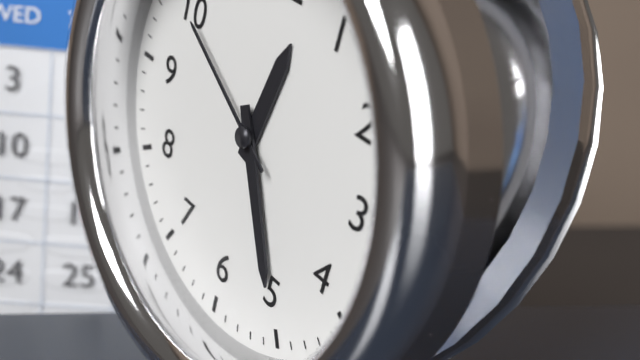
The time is **12:25:50**
